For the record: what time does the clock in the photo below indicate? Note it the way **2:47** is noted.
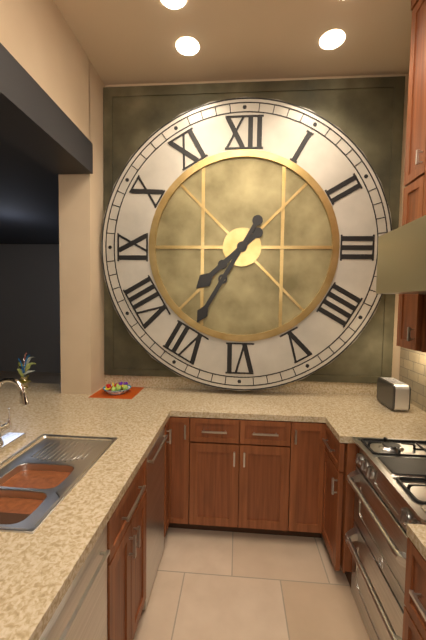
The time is **7:35**
